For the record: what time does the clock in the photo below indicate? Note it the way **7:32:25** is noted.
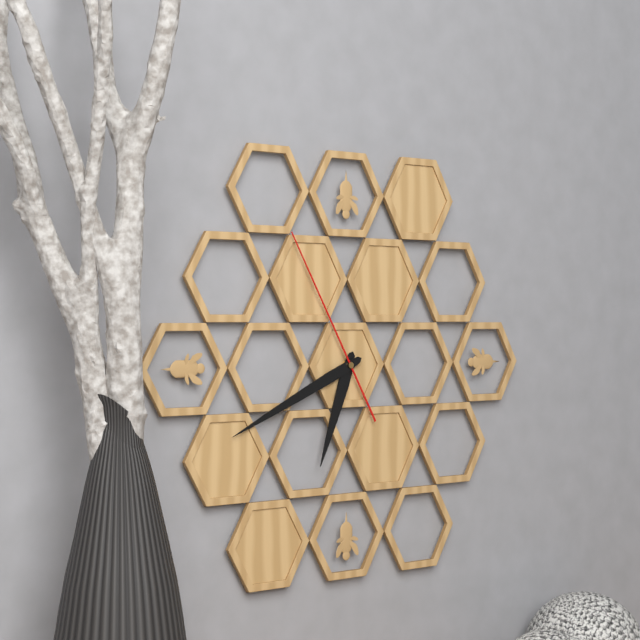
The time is **6:41:55**
